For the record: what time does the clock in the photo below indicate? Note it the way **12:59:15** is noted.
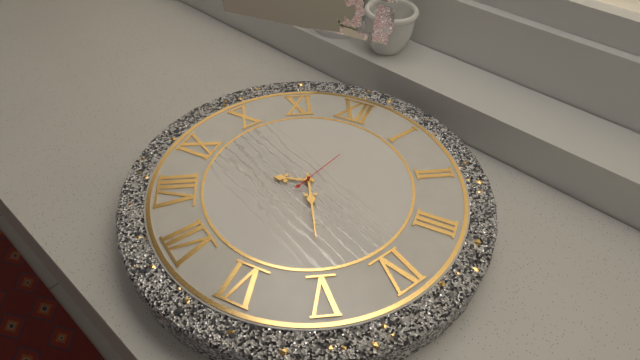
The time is **8:25:03**
